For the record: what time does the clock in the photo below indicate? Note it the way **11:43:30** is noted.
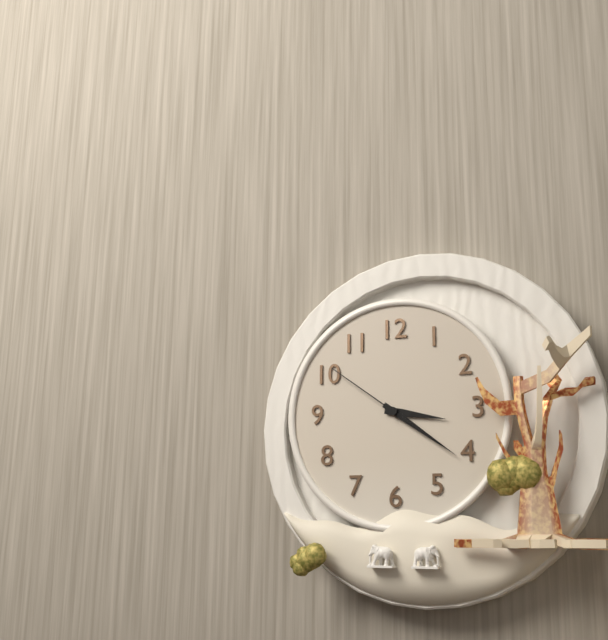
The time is **3:21:51**
